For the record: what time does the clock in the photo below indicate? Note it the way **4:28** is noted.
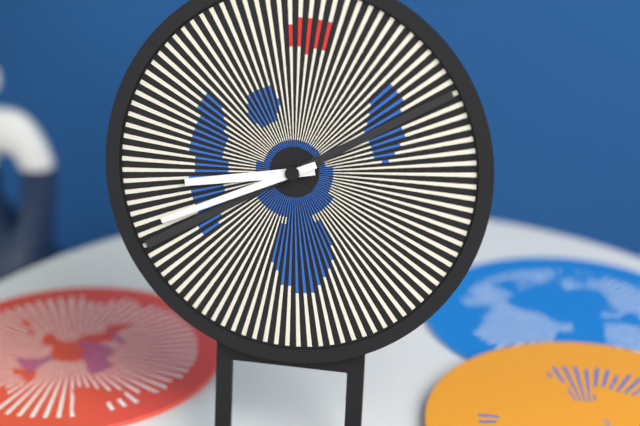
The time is **8:41**
